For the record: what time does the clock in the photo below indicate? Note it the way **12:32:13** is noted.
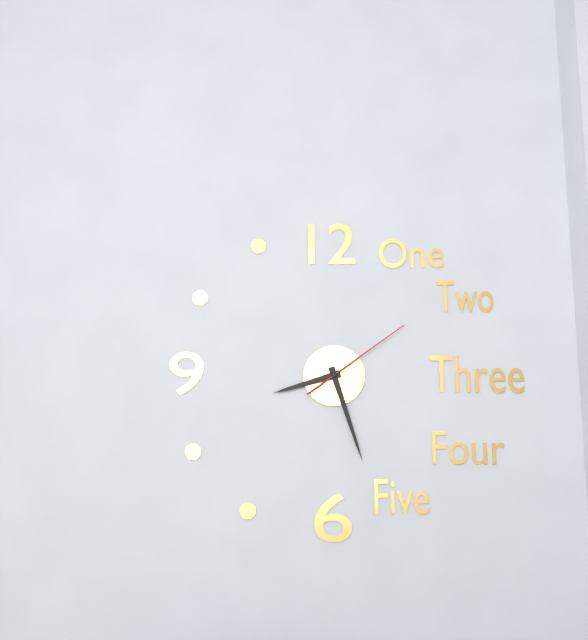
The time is **8:27:09**
